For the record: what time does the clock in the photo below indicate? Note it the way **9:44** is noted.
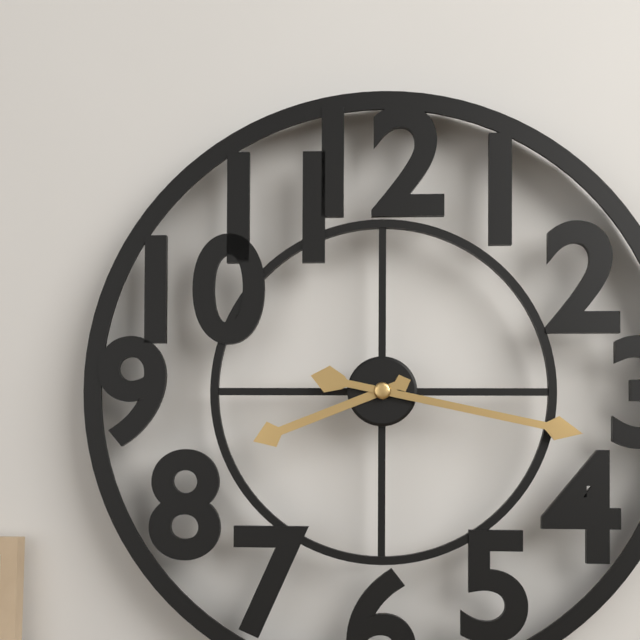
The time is **8:17**
